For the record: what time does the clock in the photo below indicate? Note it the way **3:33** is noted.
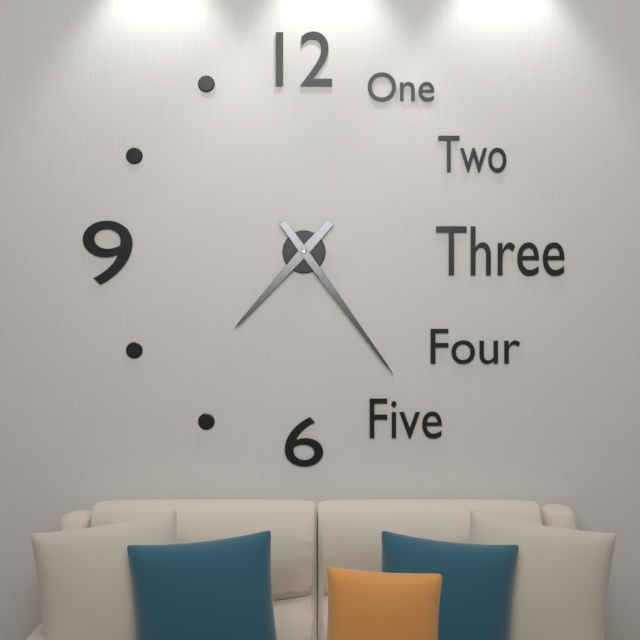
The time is **7:24**
